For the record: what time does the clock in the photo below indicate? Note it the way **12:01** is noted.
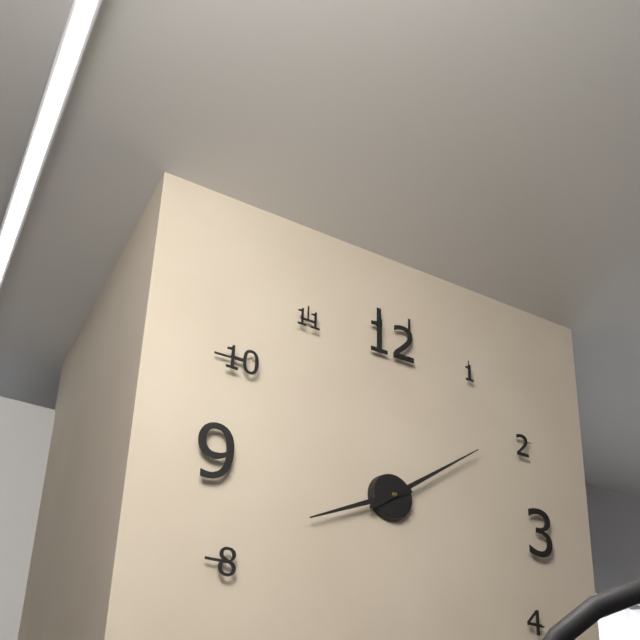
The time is **8:09**
